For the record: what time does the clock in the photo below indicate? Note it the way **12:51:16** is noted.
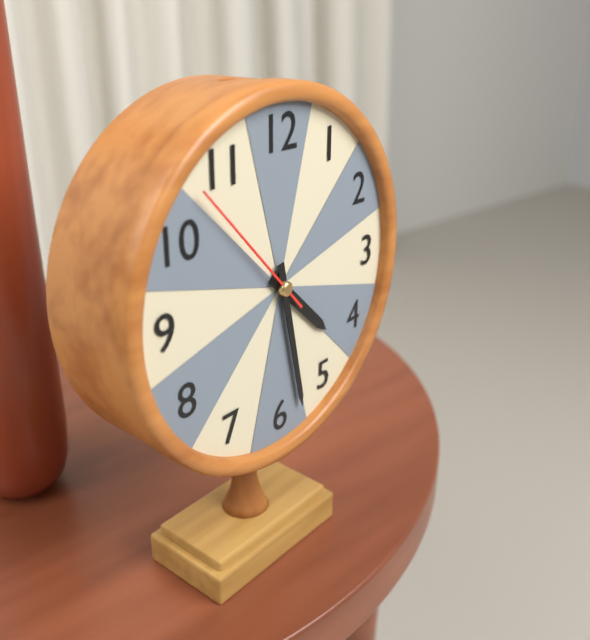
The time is **4:28:53**
